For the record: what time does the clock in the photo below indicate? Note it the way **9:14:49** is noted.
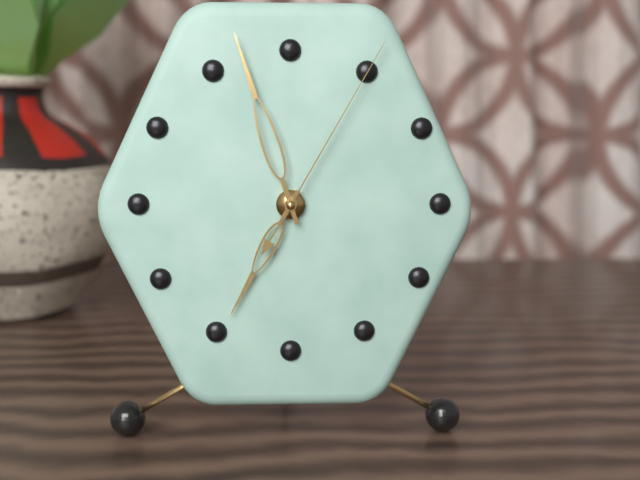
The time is **6:57:05**
